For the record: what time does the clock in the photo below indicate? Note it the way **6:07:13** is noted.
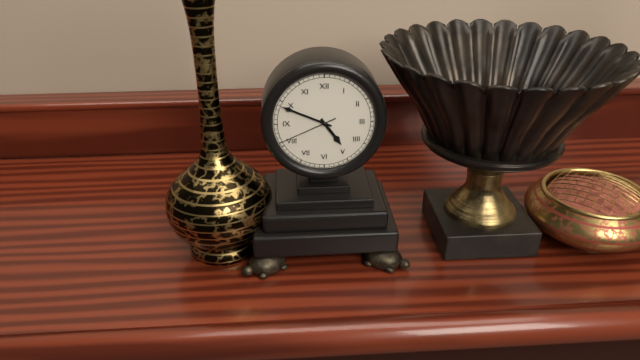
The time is **4:49:41**
